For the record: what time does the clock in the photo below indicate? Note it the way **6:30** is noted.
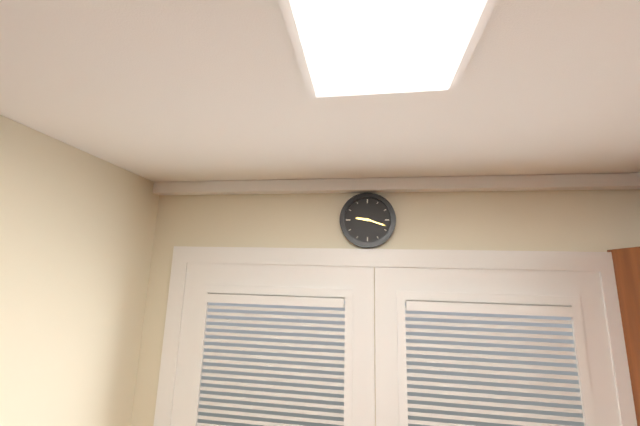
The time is **9:18**
